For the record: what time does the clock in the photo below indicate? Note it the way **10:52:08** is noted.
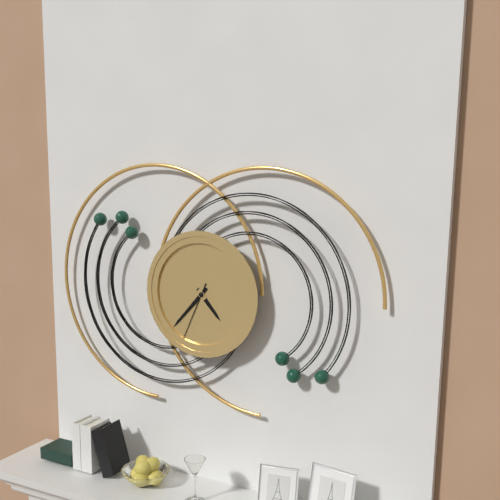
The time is **4:37:34**
